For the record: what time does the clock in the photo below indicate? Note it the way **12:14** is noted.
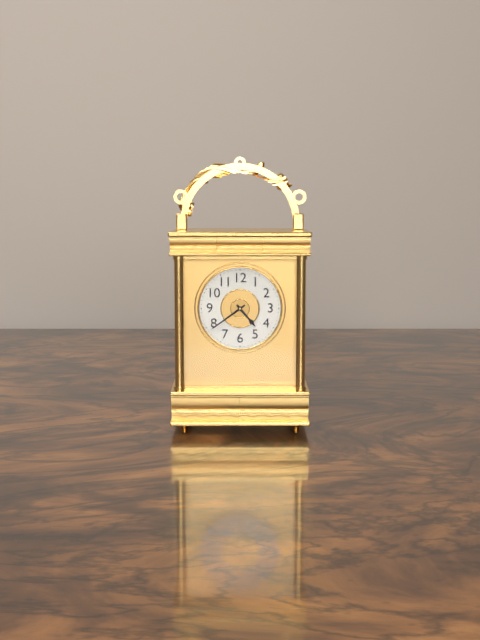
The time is **4:39**
